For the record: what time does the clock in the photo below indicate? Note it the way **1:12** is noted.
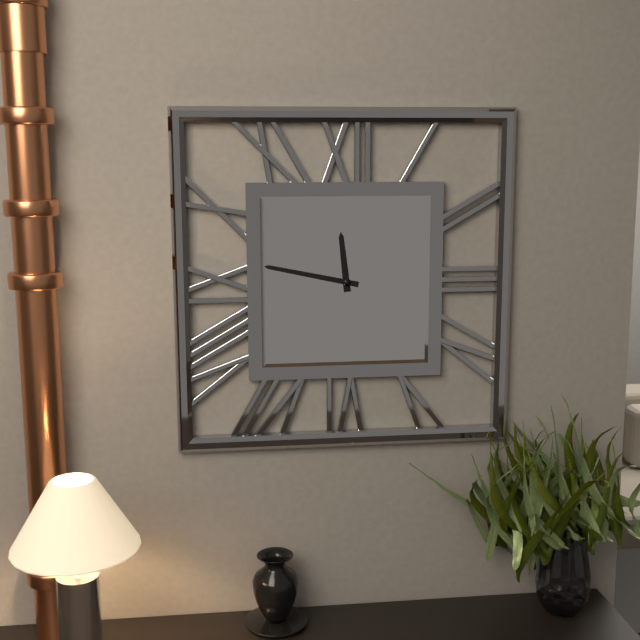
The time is **11:47**
